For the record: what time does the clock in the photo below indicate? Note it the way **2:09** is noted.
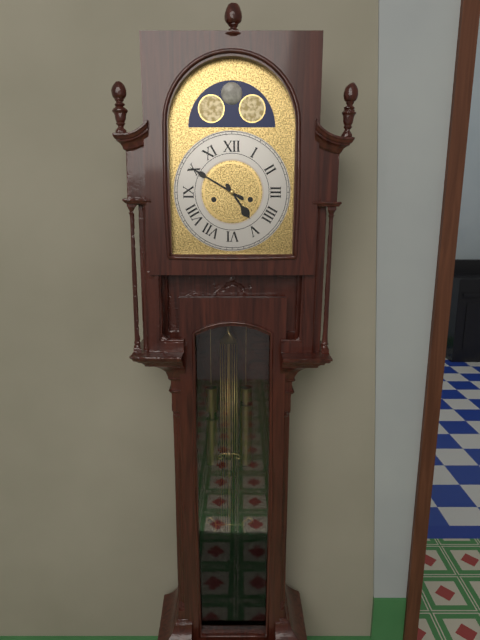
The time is **4:50**
